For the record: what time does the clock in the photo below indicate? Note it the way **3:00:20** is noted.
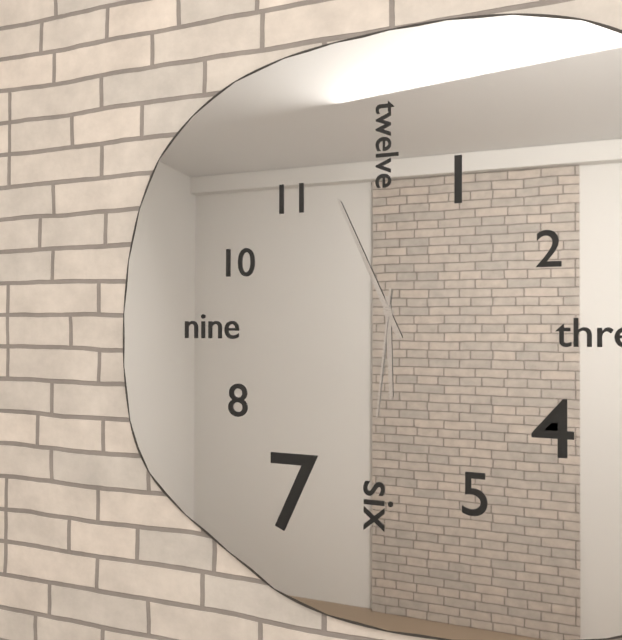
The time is **5:56:31**
